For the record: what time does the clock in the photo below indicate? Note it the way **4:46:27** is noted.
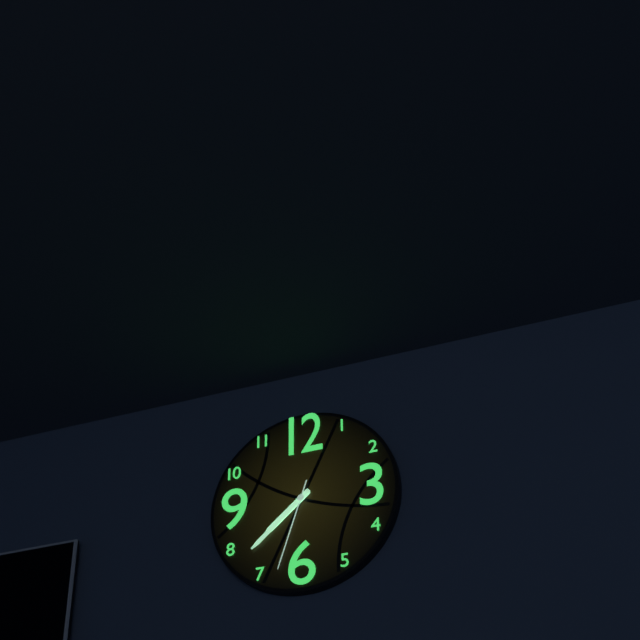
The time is **7:38:33**
